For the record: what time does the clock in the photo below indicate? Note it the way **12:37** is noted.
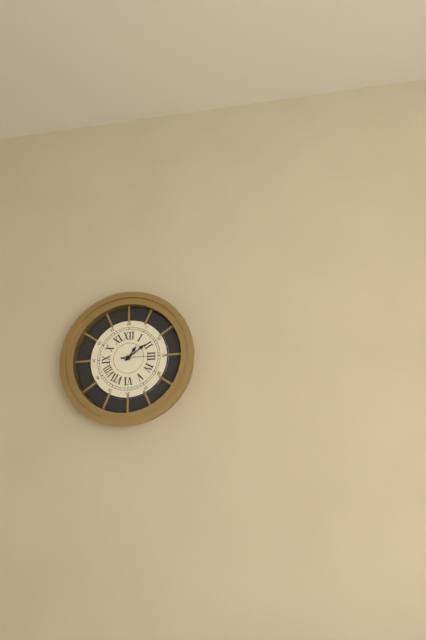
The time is **1:09**
